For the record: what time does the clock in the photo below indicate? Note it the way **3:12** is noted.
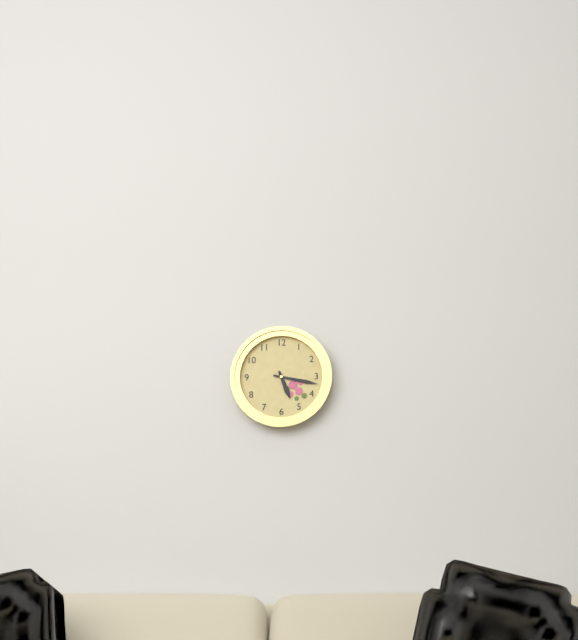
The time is **5:17**
